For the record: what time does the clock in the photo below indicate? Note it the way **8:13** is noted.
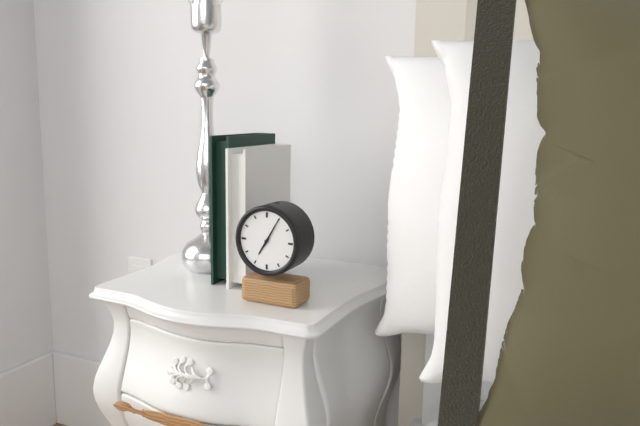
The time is **7:05**
